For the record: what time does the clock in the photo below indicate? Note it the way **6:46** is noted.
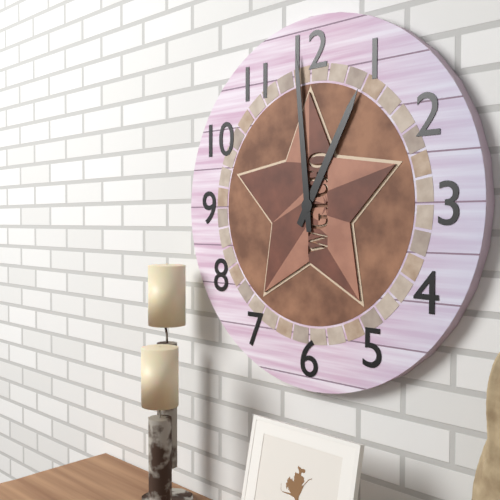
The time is **12:59**
